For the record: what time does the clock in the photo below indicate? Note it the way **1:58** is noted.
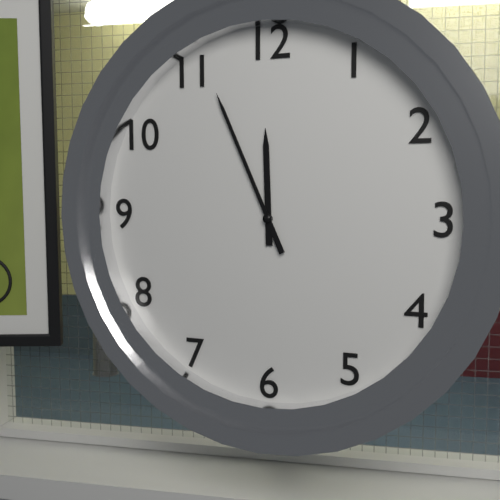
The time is **11:56**
